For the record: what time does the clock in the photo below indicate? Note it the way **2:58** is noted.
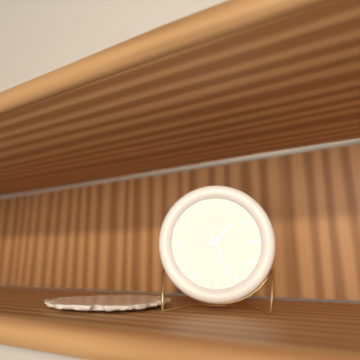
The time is **1:26**
